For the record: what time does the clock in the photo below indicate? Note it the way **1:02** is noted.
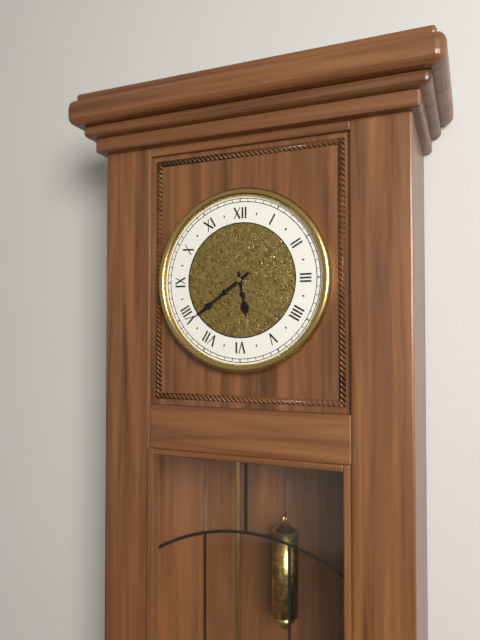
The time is **5:39**
